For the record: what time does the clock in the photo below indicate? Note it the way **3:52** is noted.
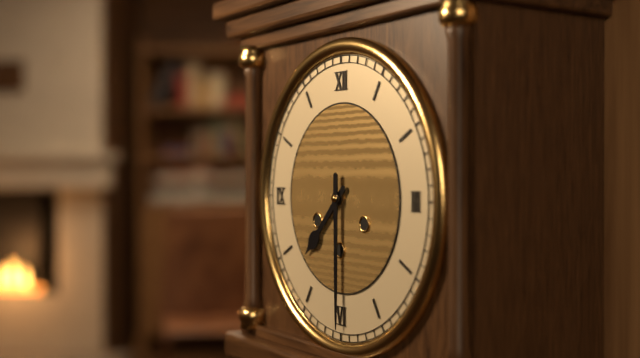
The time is **7:30**
